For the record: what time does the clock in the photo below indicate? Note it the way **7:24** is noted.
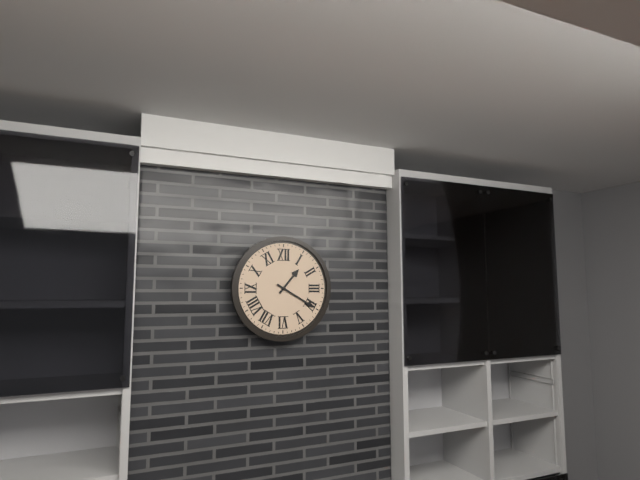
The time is **1:20**
